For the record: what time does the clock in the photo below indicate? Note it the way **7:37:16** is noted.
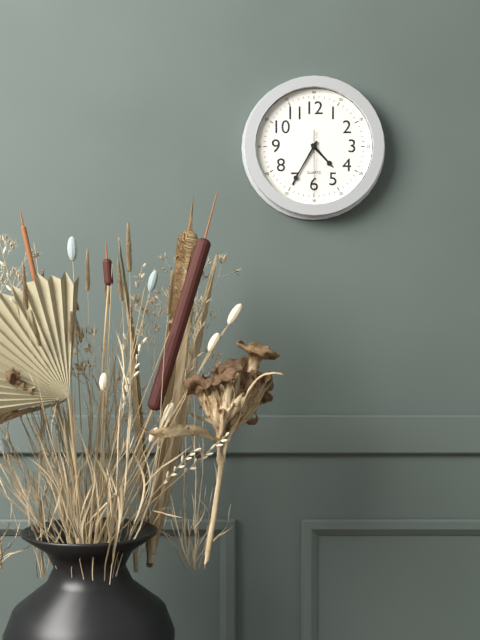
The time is **4:35:30**
